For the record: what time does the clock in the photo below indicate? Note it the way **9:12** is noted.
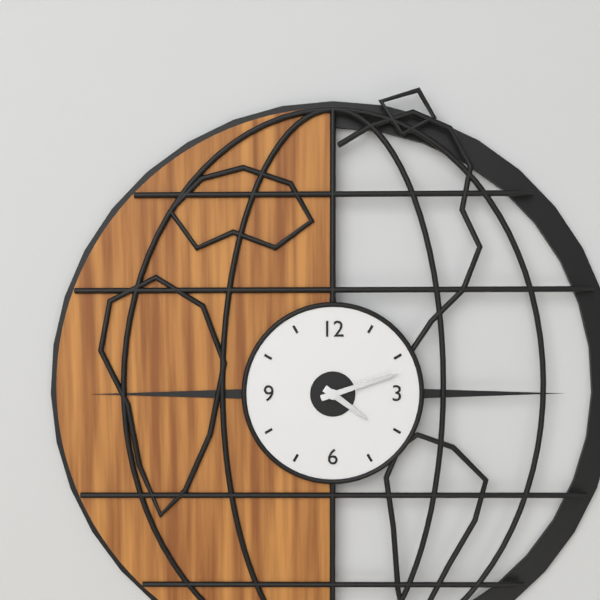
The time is **4:12**
